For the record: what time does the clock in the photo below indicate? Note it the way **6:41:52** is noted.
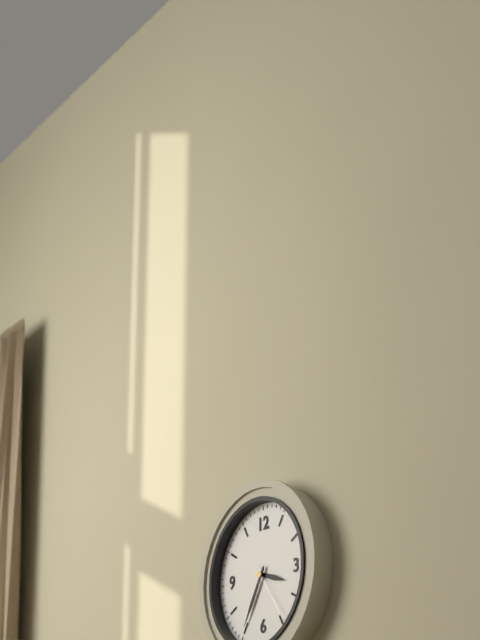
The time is **3:35:24**
